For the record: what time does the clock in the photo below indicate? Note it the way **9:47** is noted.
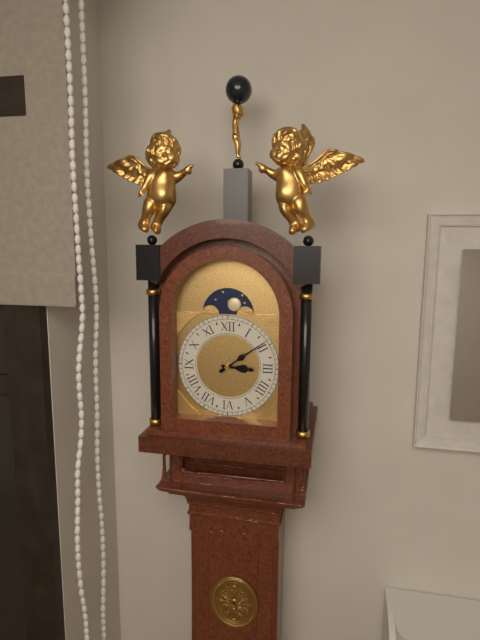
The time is **3:09**
